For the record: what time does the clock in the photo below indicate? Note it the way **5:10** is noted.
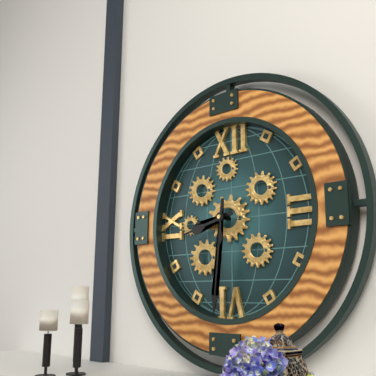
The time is **8:31**
